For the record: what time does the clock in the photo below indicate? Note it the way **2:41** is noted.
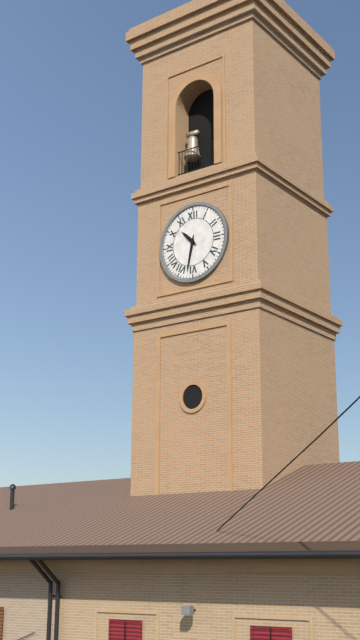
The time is **10:32**
